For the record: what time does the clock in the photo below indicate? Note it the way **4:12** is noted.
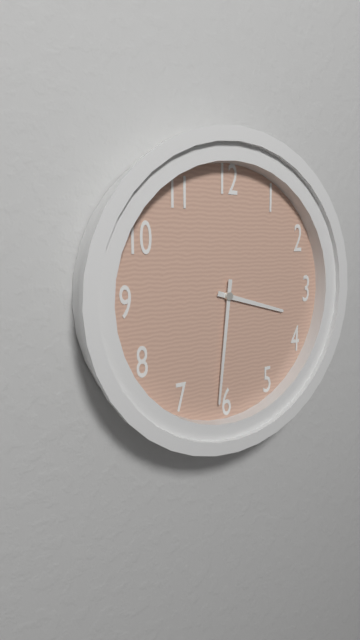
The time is **3:31**
